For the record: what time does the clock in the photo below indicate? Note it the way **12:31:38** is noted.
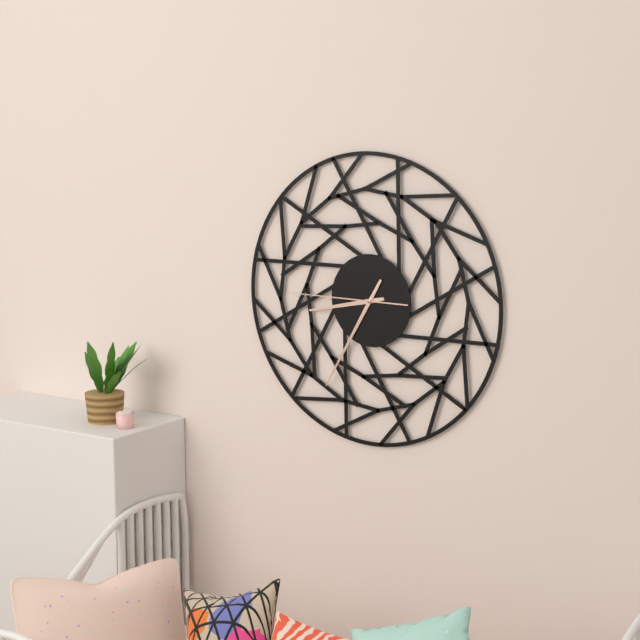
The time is **8:35:45**
